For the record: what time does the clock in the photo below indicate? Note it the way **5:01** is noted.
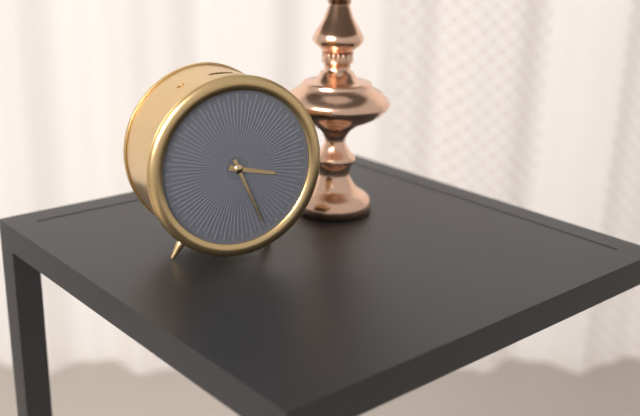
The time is **3:26**
